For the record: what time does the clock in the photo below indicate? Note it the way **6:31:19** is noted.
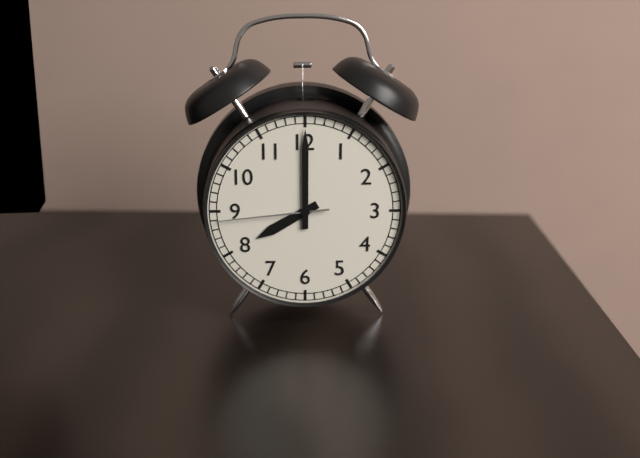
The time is **8:00:44**
